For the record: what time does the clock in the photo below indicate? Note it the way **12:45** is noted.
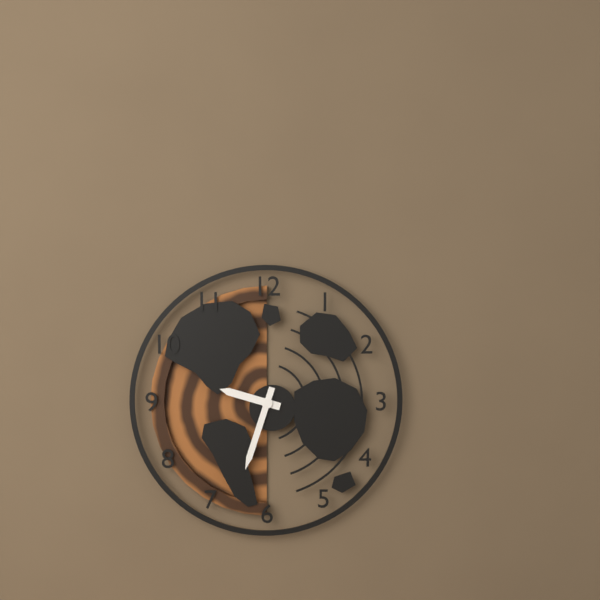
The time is **9:33**
